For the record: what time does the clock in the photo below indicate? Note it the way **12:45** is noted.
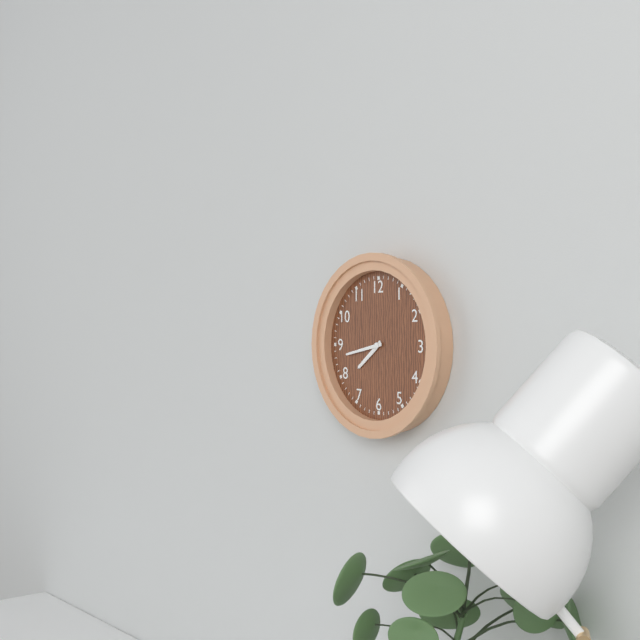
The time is **7:43**
